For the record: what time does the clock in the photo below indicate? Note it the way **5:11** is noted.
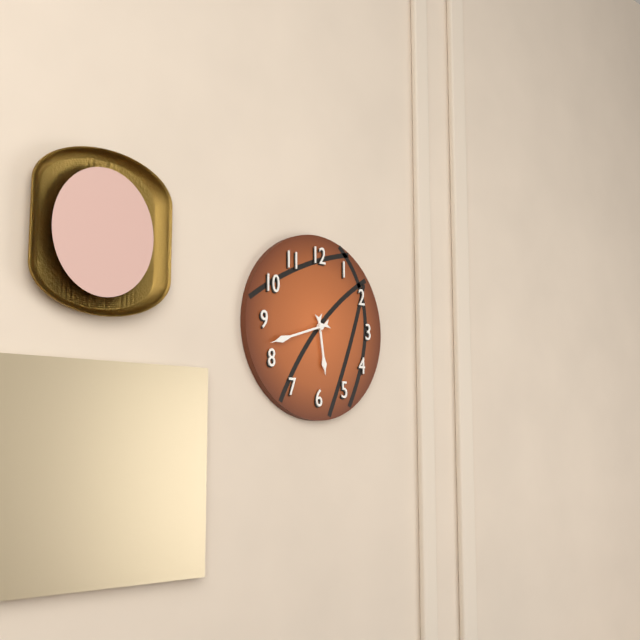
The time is **5:42**
